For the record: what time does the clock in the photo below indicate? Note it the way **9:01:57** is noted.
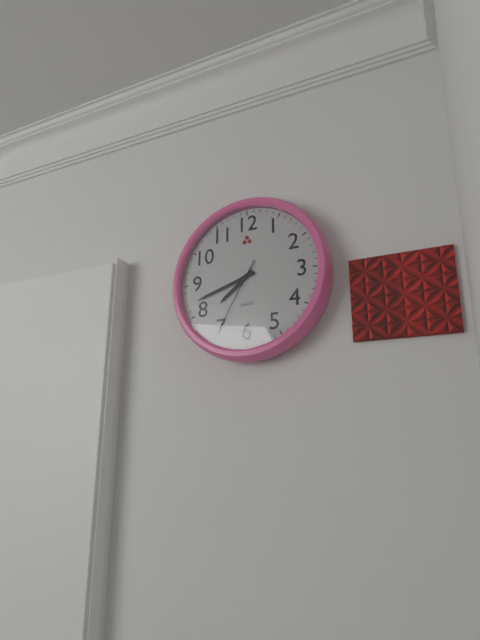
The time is **7:42:35**
